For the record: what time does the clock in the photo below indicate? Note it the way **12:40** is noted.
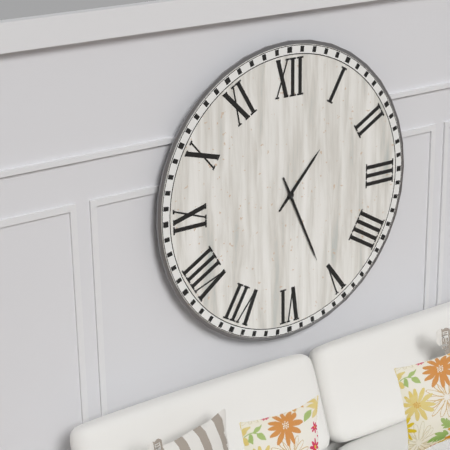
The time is **1:26**
